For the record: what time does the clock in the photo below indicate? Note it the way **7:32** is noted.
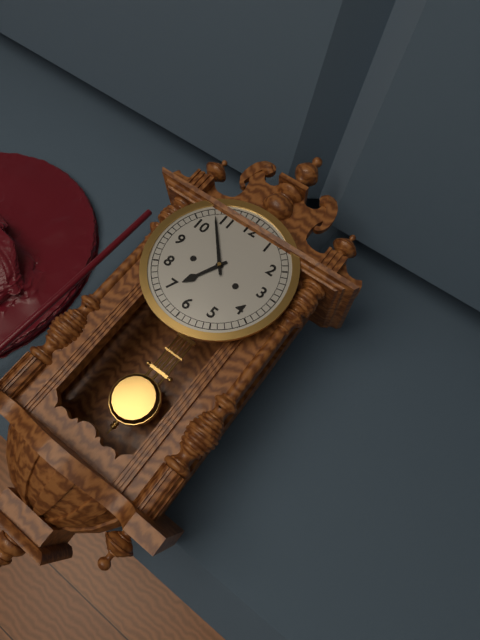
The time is **6:53**
